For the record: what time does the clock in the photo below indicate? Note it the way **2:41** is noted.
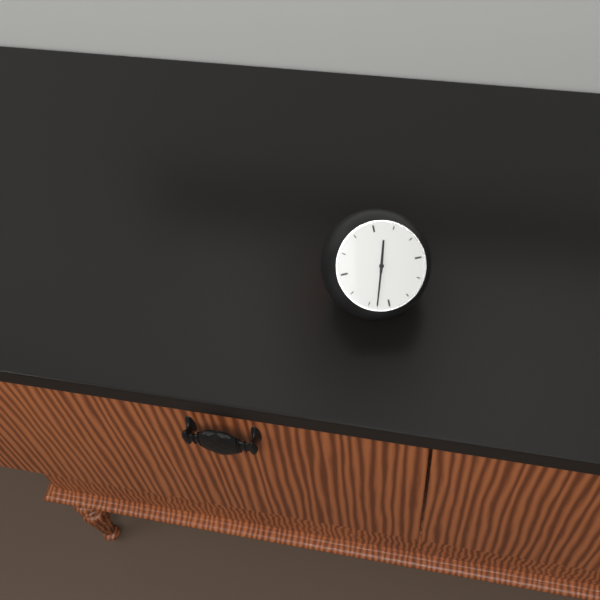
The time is **12:33**
